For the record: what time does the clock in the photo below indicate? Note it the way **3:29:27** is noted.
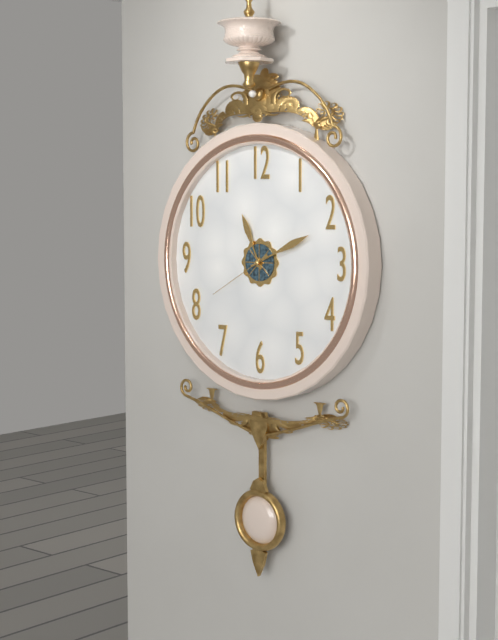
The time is **11:11:40**
